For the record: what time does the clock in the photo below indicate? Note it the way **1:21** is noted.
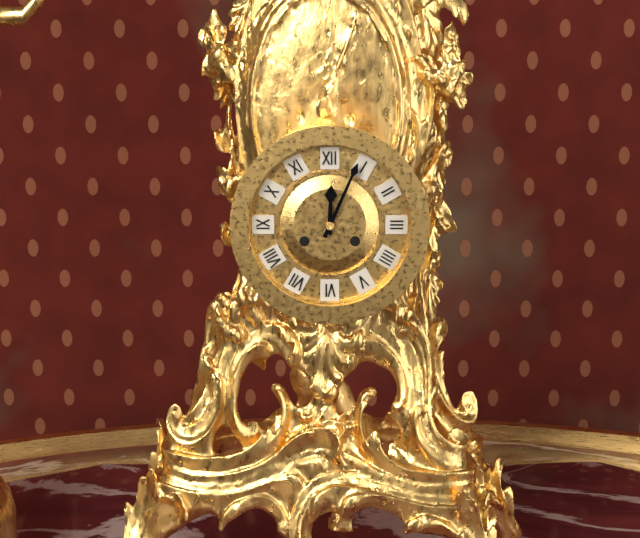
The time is **12:04**
